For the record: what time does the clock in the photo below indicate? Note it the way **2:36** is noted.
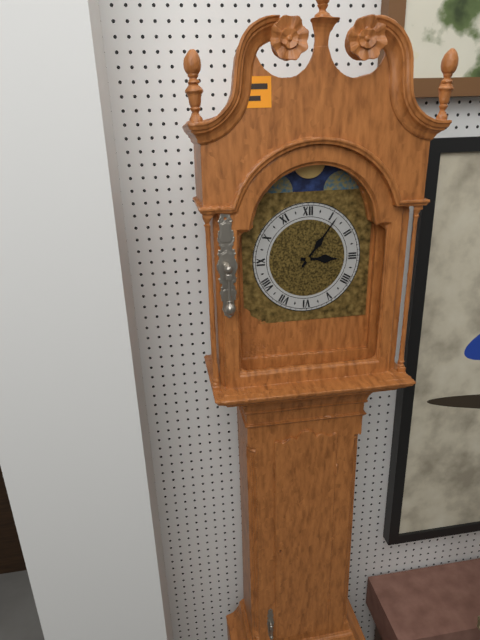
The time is **3:06**
